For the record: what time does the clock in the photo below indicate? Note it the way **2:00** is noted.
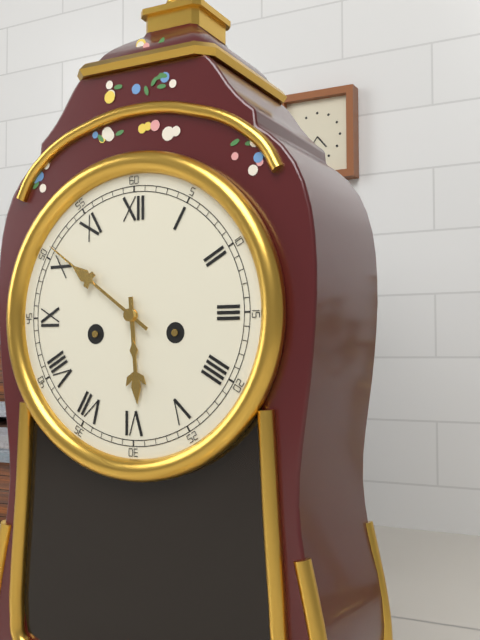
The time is **5:51**
